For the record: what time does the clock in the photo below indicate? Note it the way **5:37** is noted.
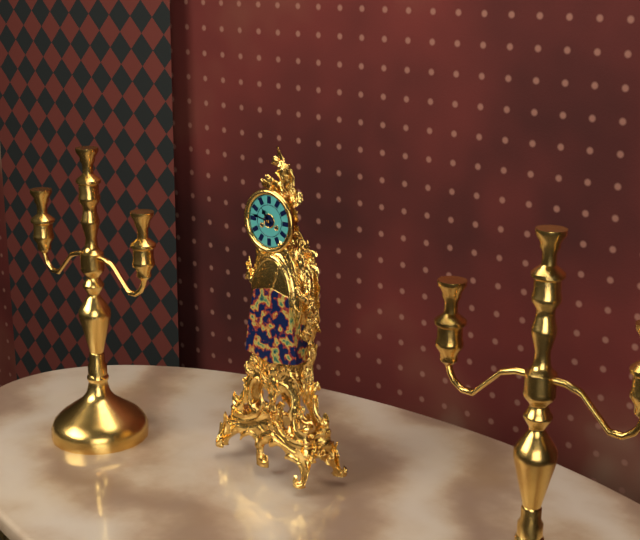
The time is **10:47**
